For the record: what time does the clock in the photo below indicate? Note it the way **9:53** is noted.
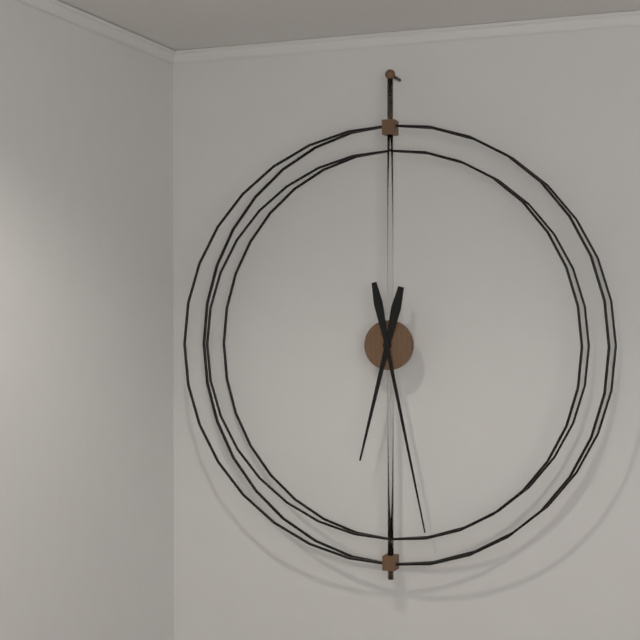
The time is **6:28**
